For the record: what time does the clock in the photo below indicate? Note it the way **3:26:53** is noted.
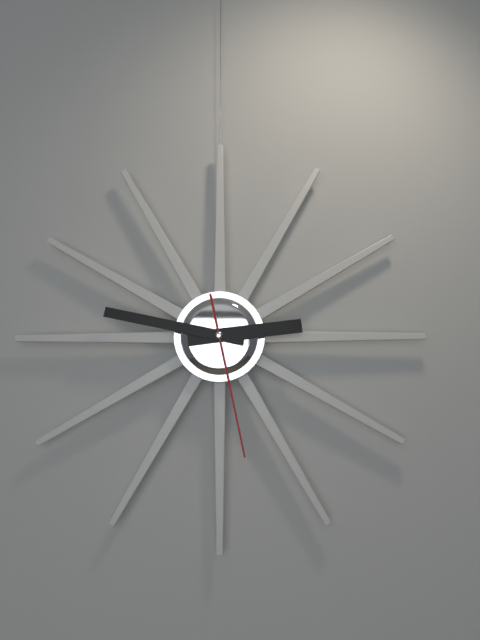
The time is **2:47:28**
